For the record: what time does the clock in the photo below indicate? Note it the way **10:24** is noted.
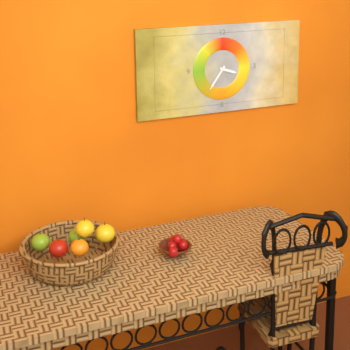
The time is **3:36**
